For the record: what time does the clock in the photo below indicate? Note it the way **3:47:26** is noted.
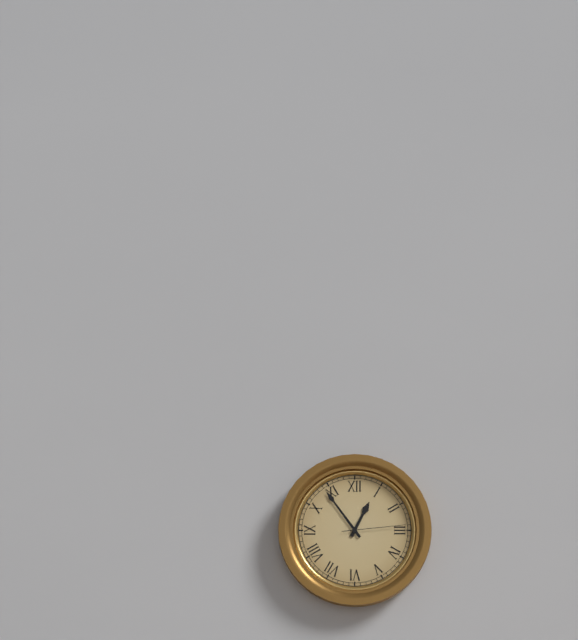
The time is **12:54:14**
